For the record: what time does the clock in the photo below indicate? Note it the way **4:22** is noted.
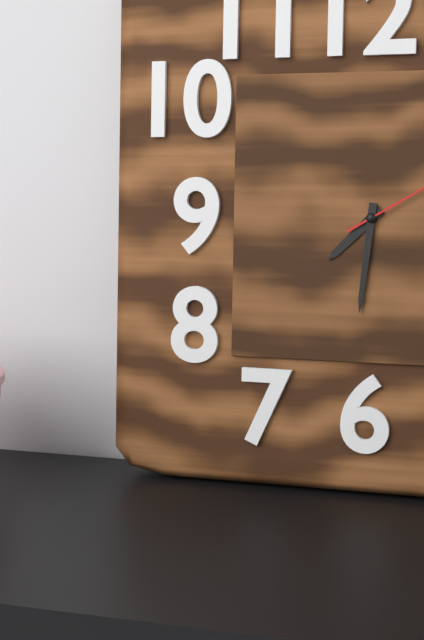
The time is **7:31**
